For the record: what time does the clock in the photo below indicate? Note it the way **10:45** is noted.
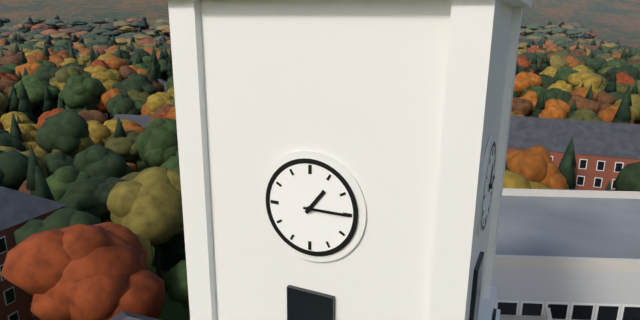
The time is **1:15**
